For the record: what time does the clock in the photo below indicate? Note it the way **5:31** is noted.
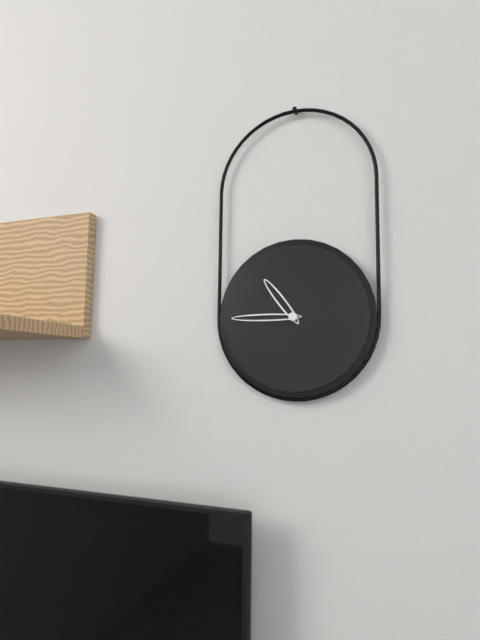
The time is **10:45**
